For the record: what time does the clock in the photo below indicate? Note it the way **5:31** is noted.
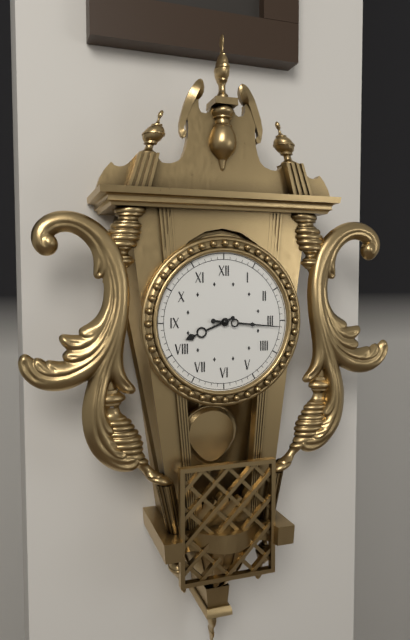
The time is **8:16**
